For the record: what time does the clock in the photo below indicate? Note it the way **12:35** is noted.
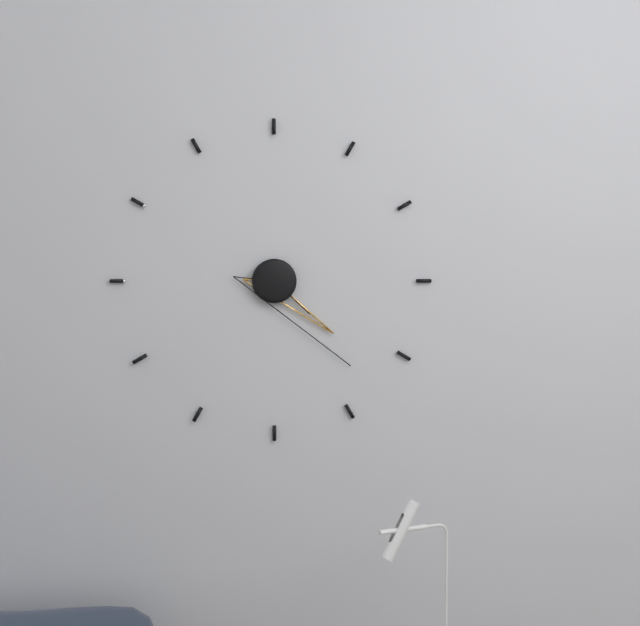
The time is **4:23**
